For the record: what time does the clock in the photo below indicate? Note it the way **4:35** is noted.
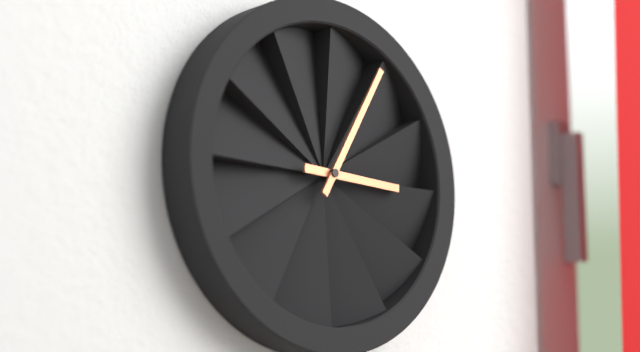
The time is **3:05**
